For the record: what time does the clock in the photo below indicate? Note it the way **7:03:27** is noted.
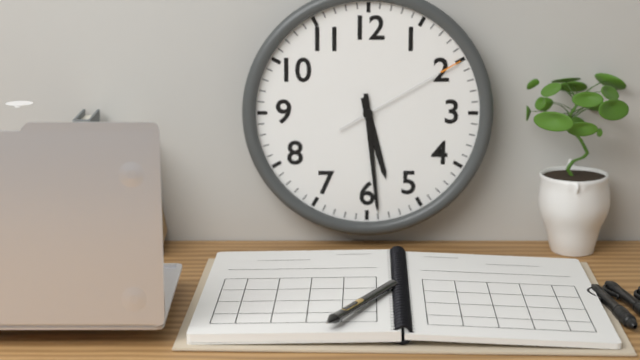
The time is **5:29:10**
